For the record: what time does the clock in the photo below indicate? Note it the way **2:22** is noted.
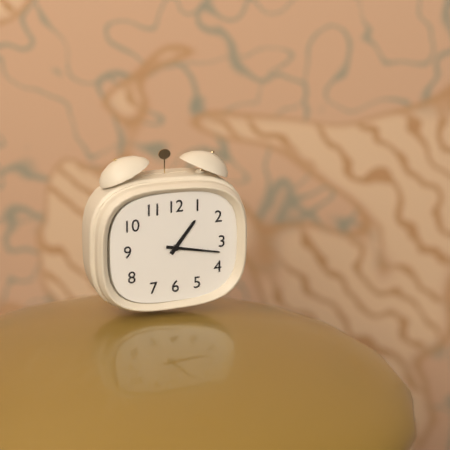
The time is **1:17**
